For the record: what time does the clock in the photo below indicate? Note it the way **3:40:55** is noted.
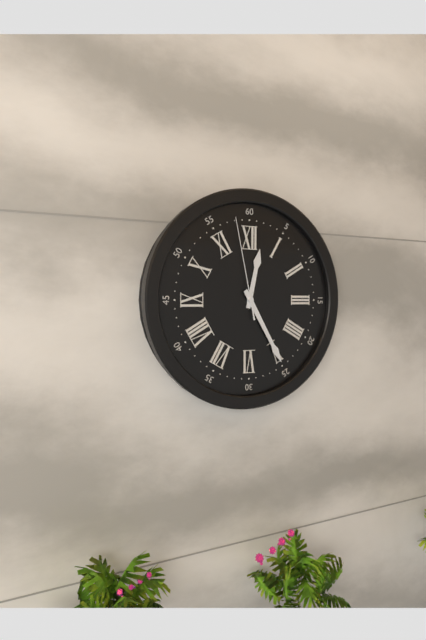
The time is **12:25:58**
